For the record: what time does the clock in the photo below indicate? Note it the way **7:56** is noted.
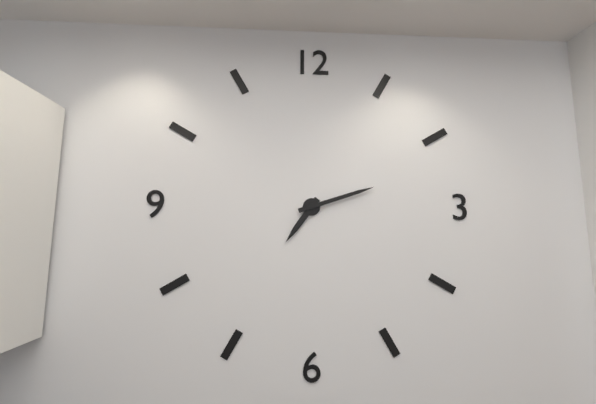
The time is **7:12**
